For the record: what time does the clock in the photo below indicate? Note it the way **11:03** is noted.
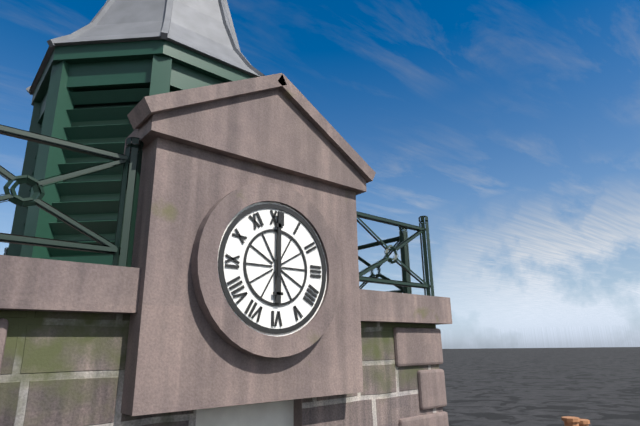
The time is **6:00**
